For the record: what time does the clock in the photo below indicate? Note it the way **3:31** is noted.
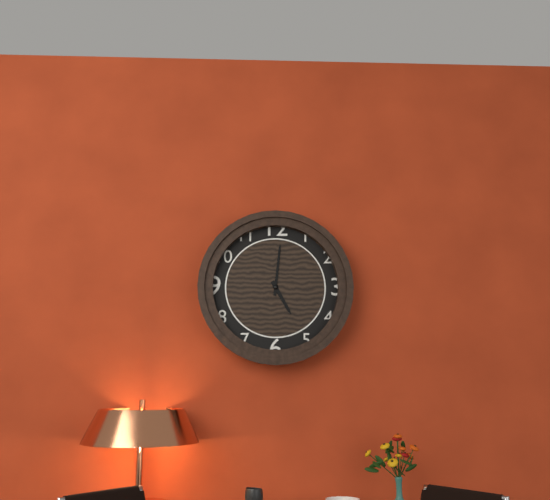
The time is **5:01**
